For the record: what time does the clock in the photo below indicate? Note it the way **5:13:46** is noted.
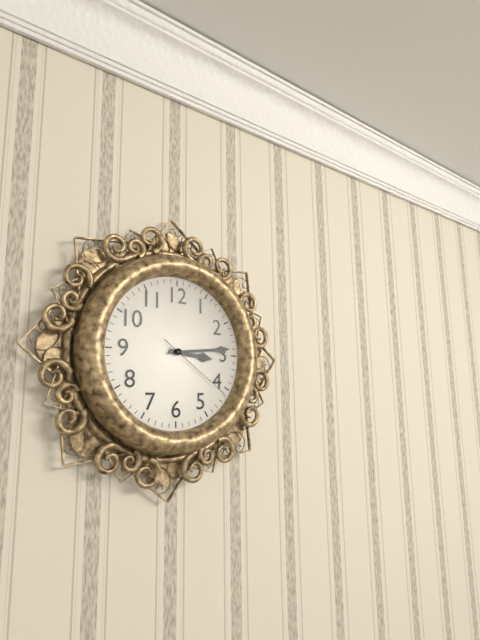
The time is **3:14:21**
